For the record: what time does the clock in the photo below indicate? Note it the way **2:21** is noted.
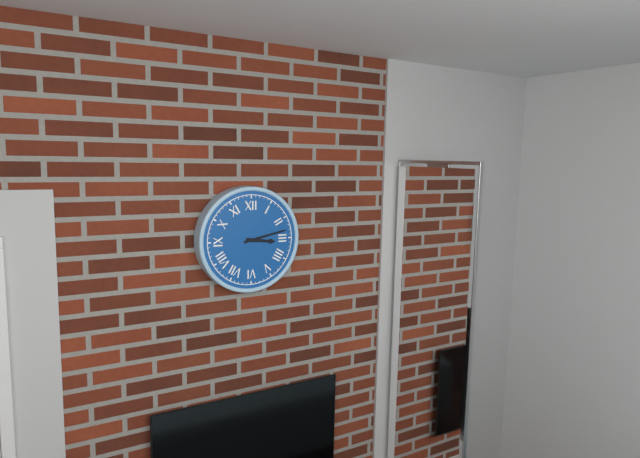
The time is **3:13**
